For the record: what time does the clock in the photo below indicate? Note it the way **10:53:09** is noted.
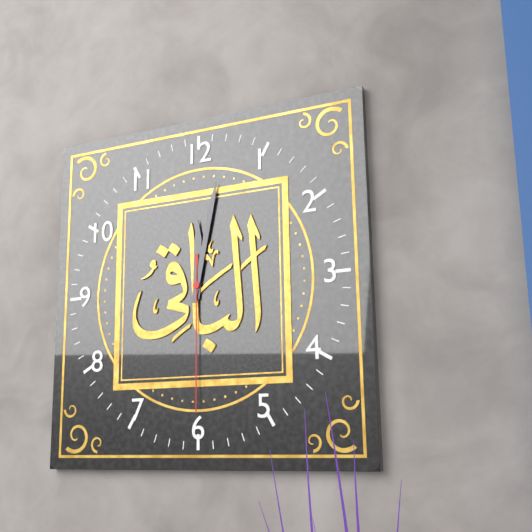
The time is **12:02:30**
